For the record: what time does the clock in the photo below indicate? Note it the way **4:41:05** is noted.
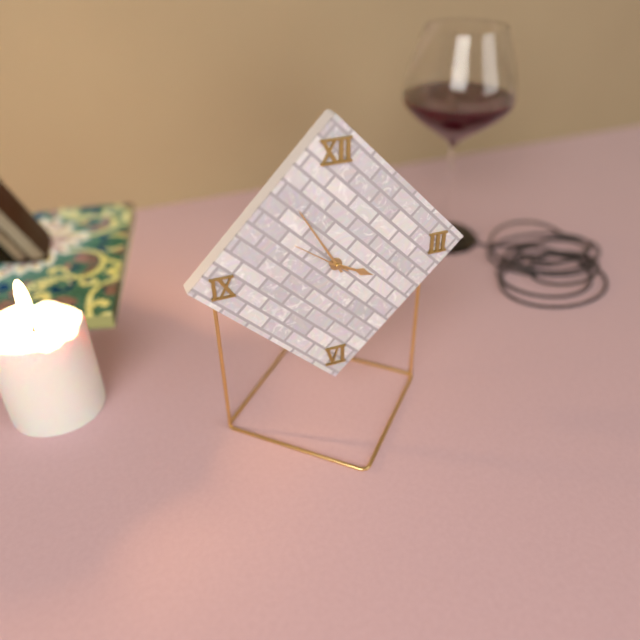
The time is **3:55:51**
